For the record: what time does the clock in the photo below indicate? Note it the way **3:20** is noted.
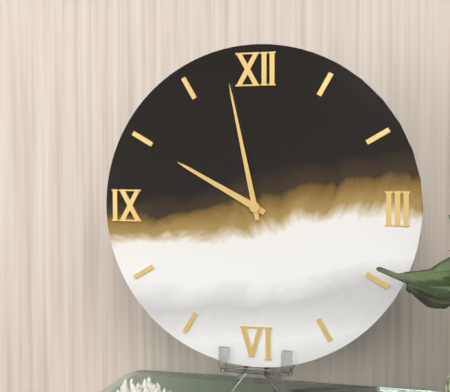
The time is **9:58**
